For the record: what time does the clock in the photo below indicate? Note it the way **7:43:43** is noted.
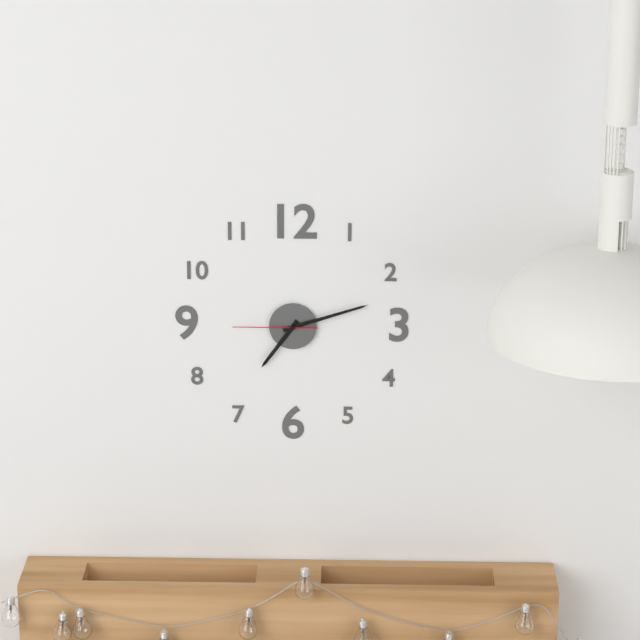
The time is **7:12:45**
